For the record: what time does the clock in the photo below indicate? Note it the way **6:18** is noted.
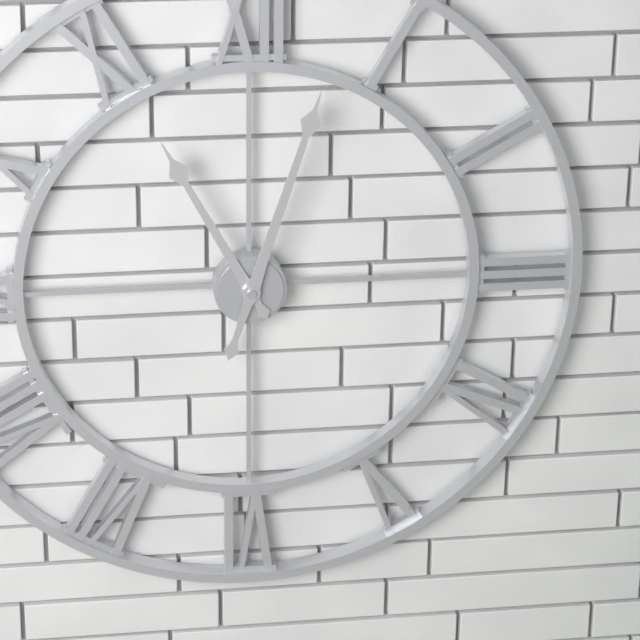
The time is **11:03**
